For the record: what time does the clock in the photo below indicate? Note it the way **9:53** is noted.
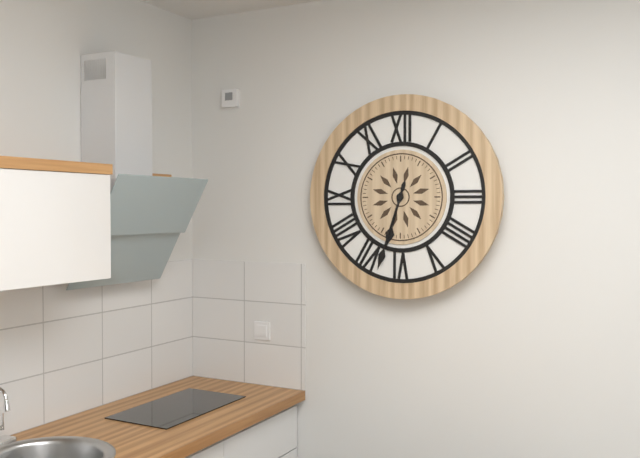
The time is **6:33**
